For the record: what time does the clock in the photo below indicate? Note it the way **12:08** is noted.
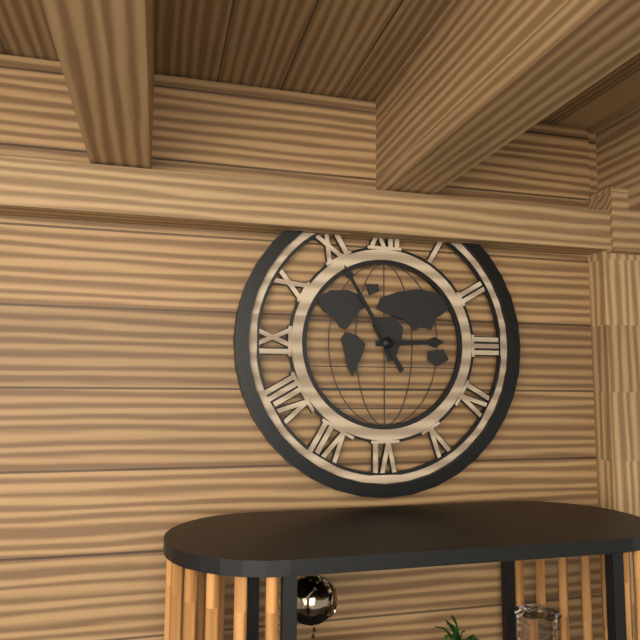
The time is **2:55**
